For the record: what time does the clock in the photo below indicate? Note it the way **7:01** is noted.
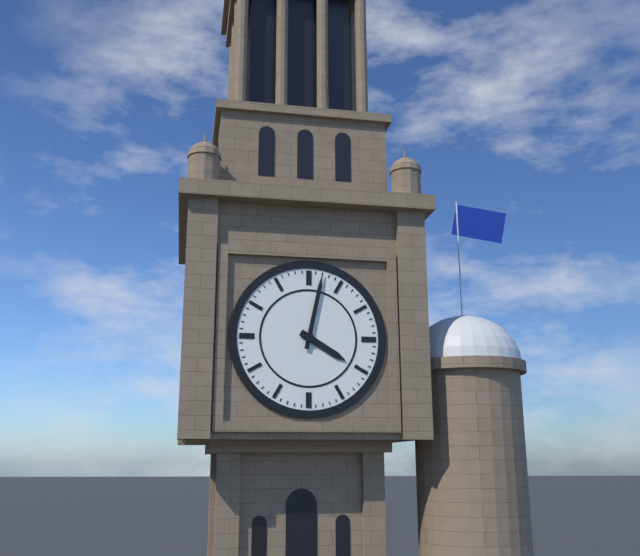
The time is **4:02**
